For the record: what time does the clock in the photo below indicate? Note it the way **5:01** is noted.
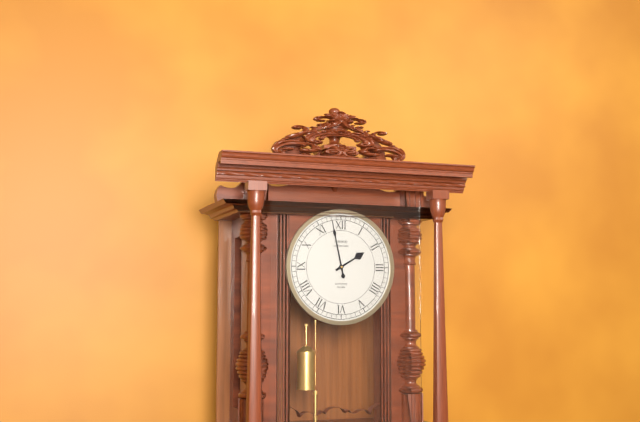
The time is **1:58**
